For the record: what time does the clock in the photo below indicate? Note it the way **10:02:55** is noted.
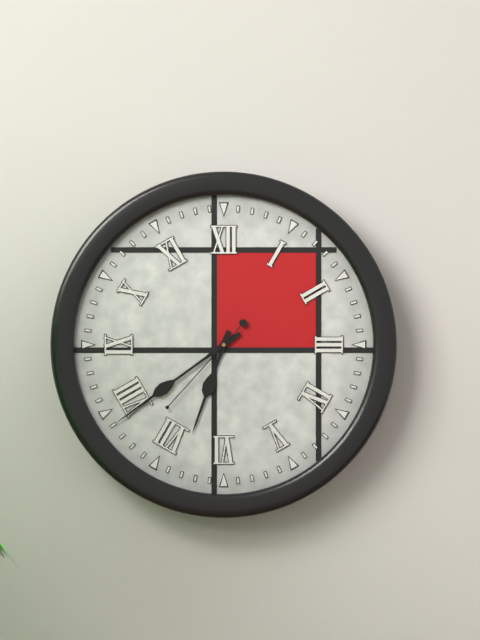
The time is **6:39:37**
